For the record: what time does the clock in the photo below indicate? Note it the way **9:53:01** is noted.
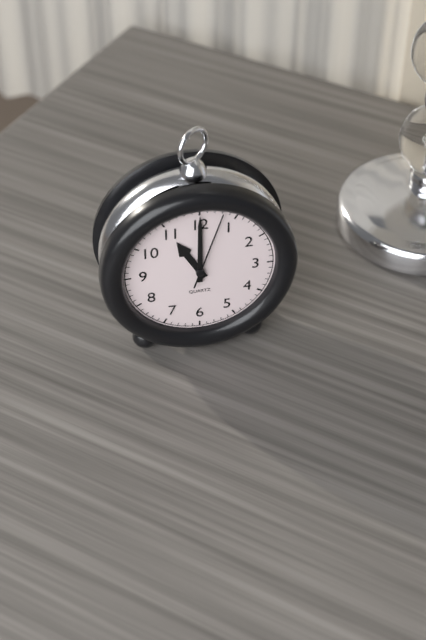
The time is **11:00:03**
